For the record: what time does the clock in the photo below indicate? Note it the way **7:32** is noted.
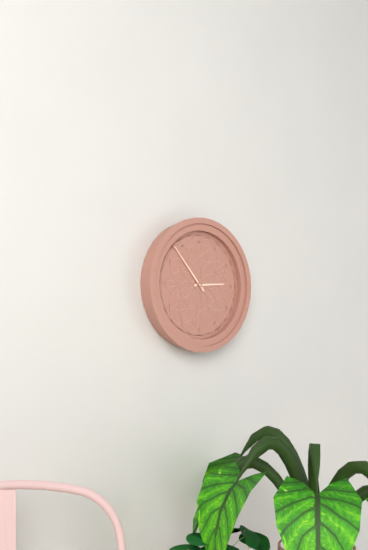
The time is **2:53**
